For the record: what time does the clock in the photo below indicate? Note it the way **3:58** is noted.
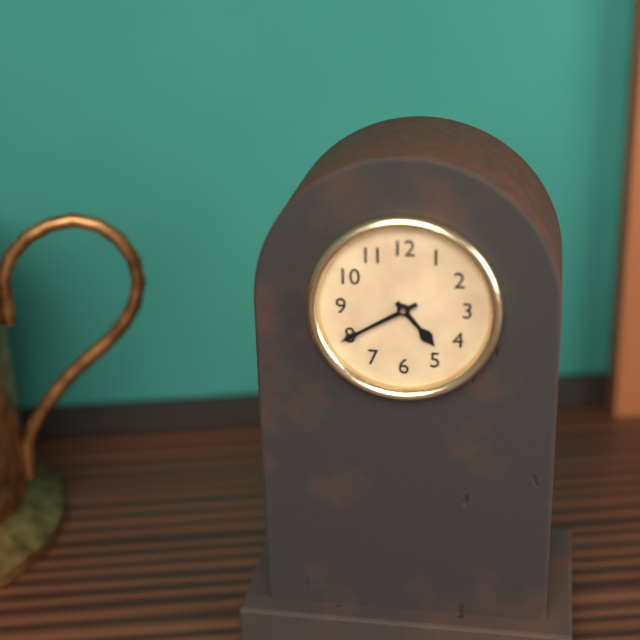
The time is **4:40**
